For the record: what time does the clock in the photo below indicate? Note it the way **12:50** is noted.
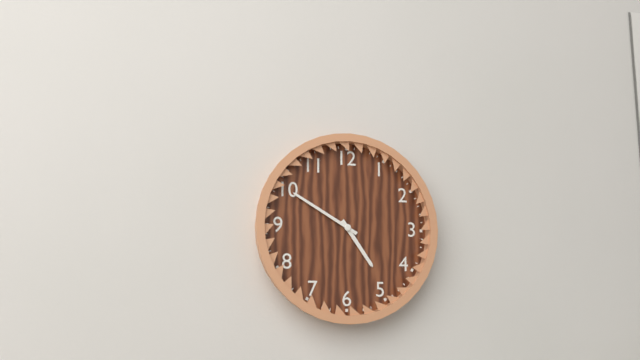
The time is **4:50**
